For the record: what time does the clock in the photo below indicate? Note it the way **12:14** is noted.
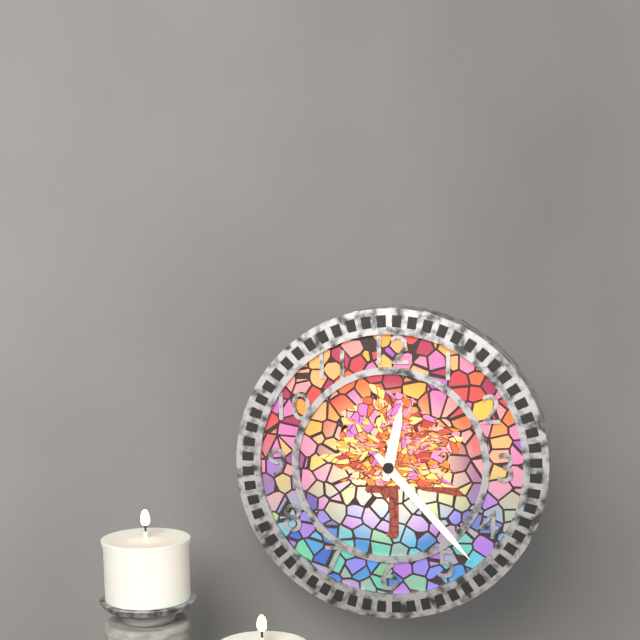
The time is **12:23**
